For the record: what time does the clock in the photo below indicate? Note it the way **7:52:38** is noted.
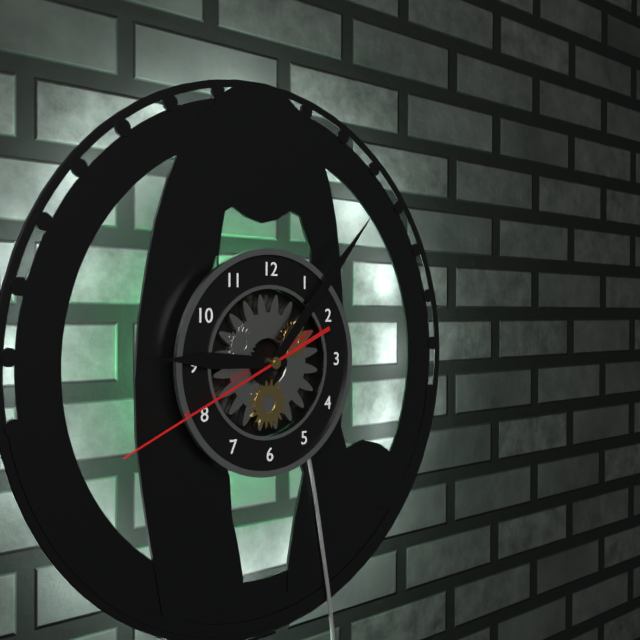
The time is **9:07:41**
